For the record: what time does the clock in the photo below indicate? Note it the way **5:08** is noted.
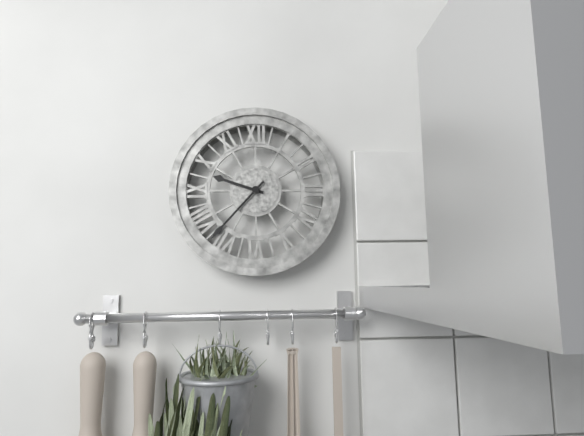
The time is **9:37**
